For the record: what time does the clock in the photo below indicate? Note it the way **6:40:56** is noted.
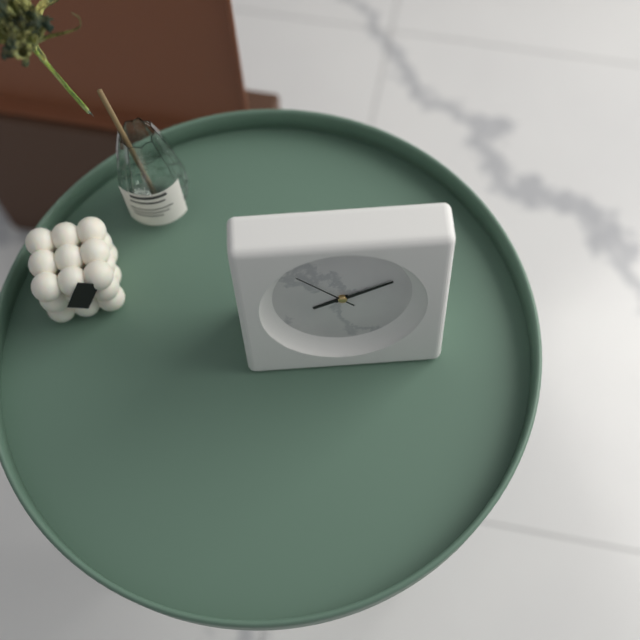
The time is **8:11:52**
